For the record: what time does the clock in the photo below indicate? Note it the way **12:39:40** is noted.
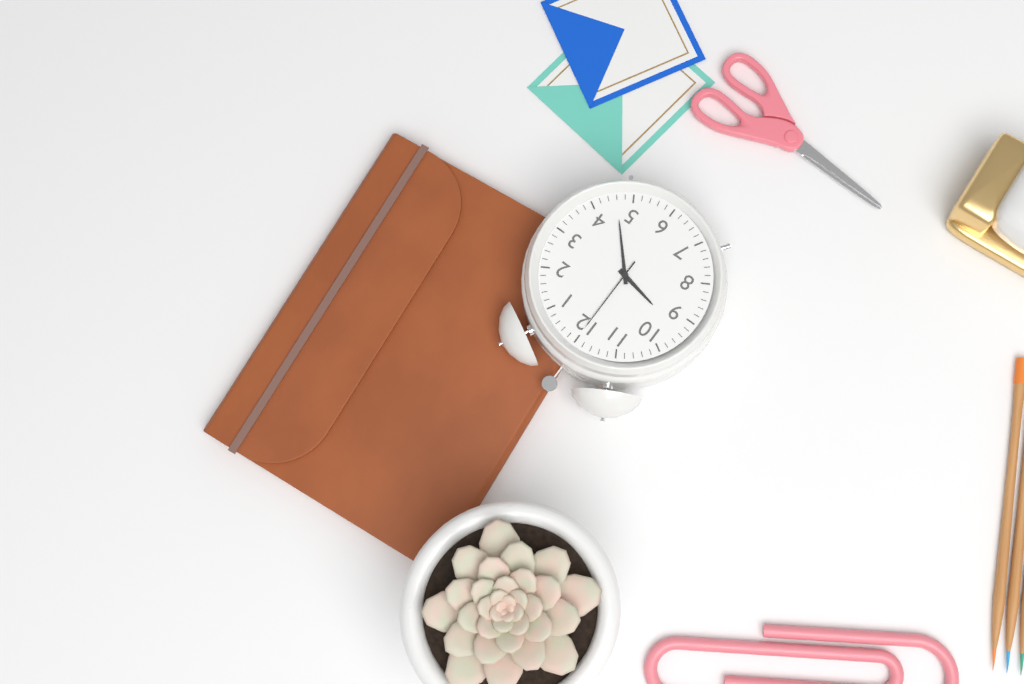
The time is **9:23:00**
